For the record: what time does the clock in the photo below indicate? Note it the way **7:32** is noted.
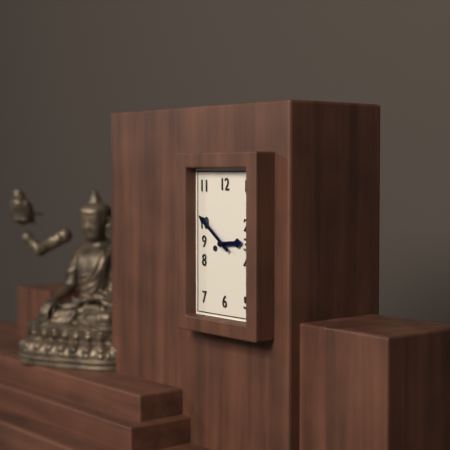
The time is **2:51**
